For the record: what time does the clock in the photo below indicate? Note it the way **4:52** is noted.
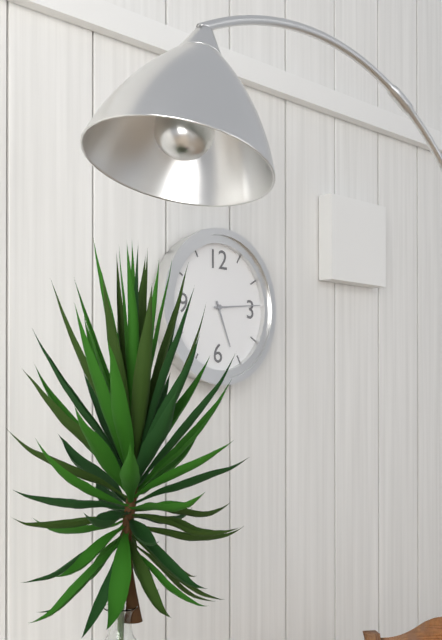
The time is **5:14**
